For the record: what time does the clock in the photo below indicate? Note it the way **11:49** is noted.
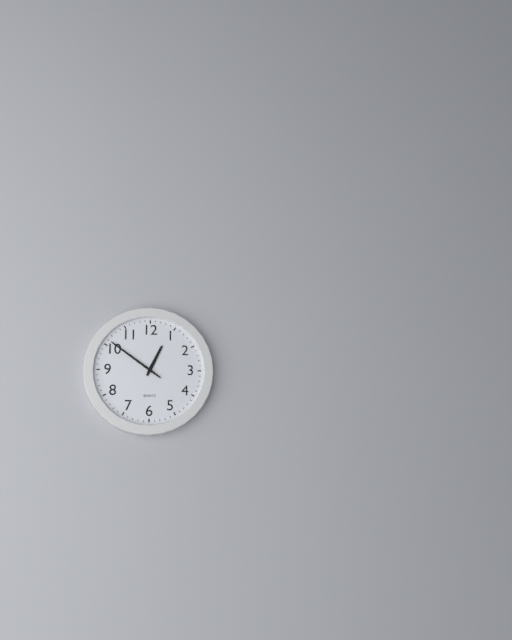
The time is **12:51**
